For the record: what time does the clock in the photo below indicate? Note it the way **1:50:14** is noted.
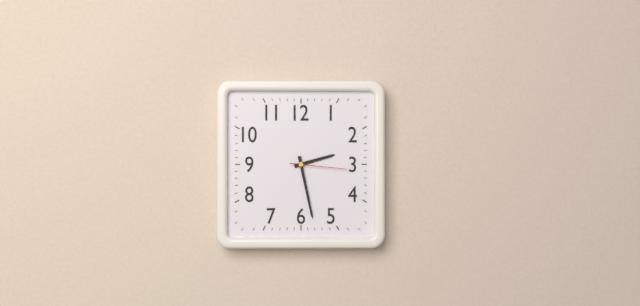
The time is **2:28:16**
